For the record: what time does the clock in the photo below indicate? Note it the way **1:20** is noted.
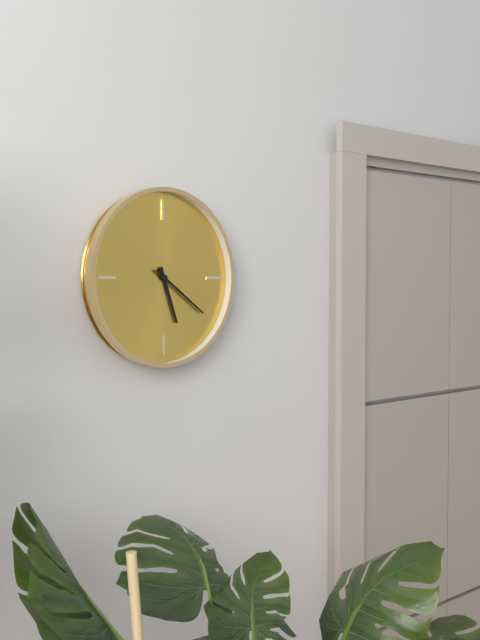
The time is **5:21**
